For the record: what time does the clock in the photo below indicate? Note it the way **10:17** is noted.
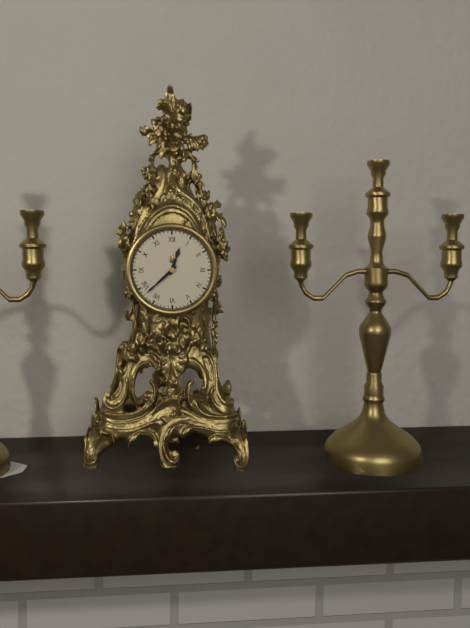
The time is **12:38**
